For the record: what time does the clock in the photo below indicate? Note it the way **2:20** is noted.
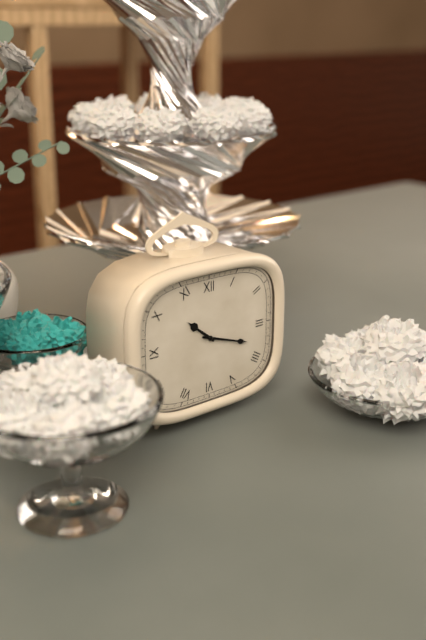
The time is **10:18**
